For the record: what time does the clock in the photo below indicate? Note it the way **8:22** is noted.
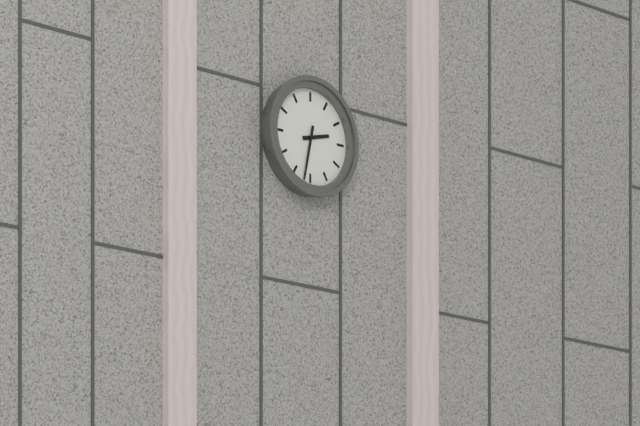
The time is **2:32**
